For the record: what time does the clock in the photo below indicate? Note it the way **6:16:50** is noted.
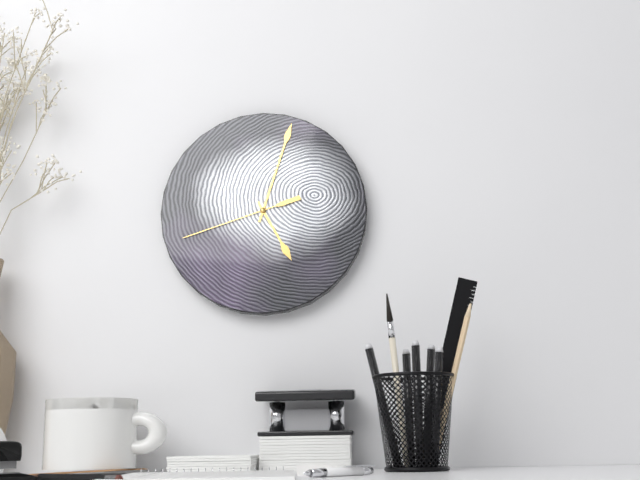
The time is **5:03:42**
